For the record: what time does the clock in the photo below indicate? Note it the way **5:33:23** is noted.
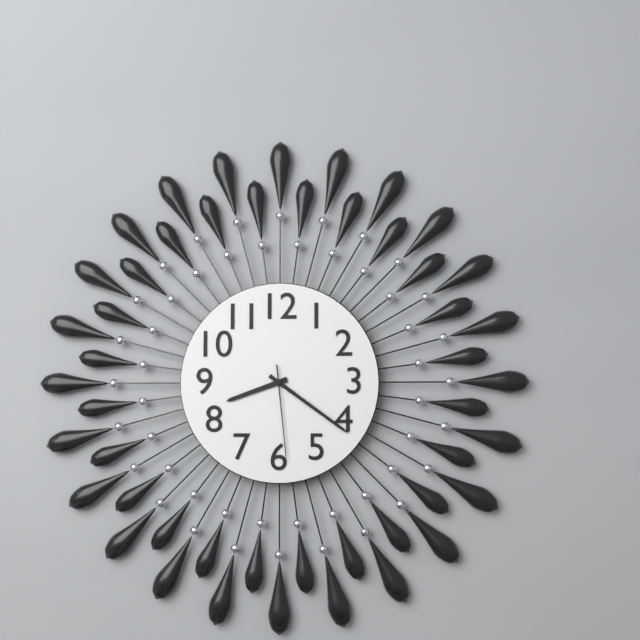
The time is **8:21:29**
